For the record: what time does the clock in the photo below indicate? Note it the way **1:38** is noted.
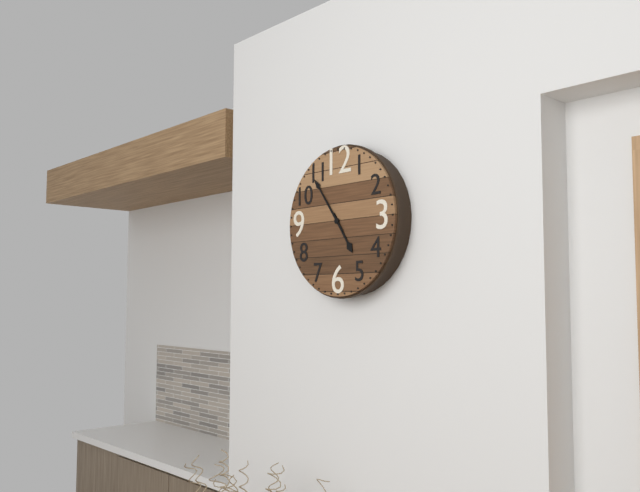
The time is **4:54**
